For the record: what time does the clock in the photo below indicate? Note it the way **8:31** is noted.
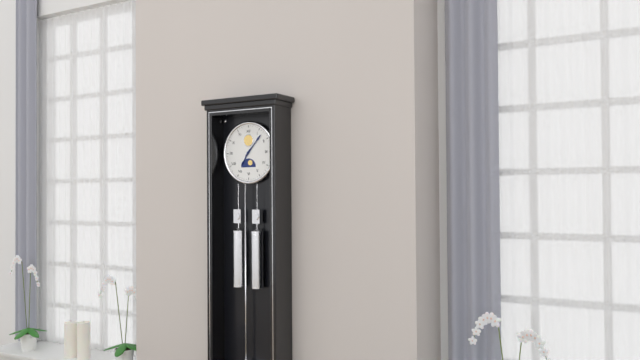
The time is **7:07**
